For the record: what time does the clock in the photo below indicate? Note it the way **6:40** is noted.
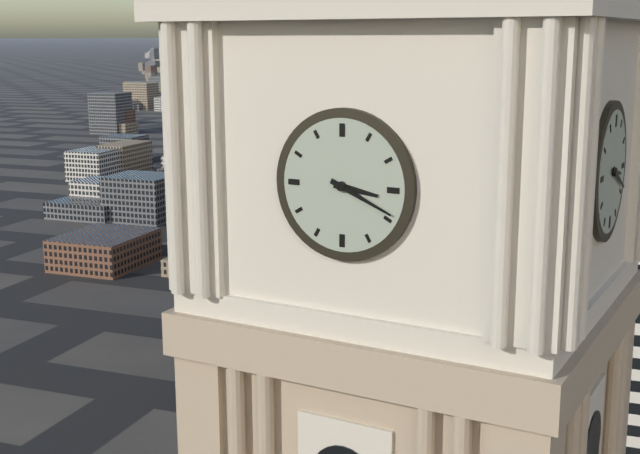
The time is **3:19**
